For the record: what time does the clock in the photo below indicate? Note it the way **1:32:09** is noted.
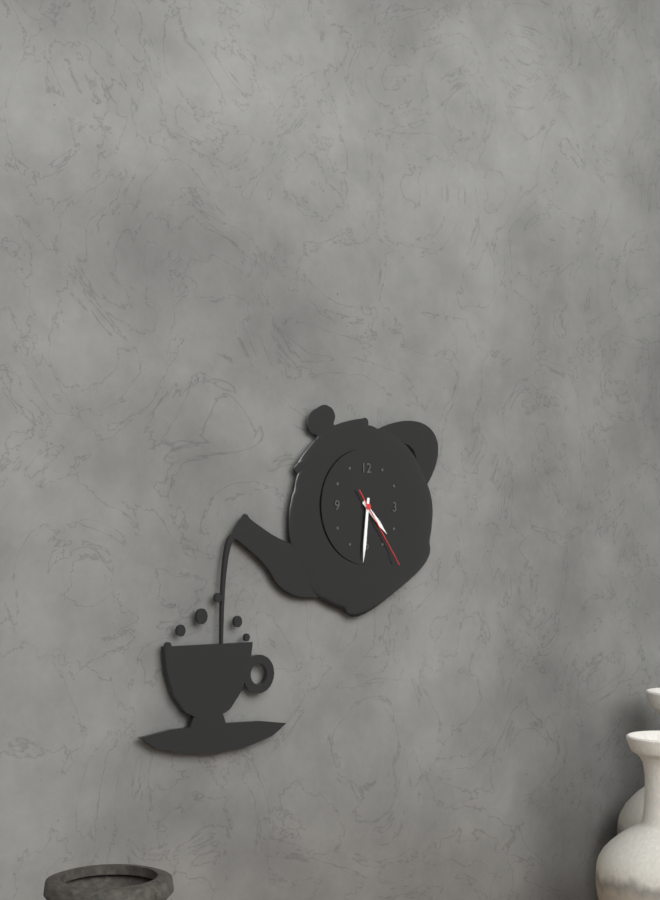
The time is **4:31:24**
